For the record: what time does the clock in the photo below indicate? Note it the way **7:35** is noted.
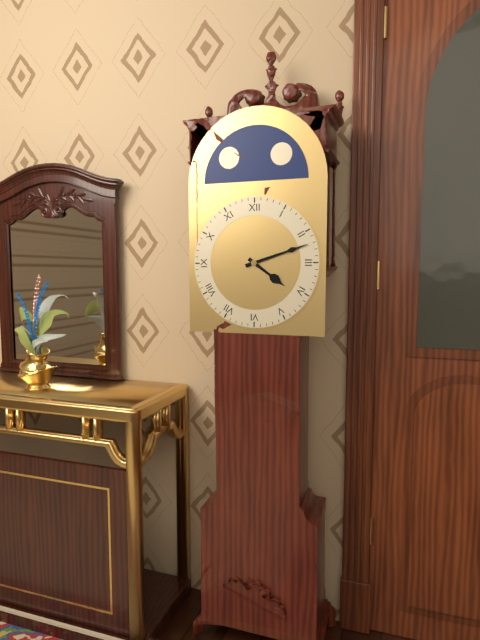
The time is **4:12**
